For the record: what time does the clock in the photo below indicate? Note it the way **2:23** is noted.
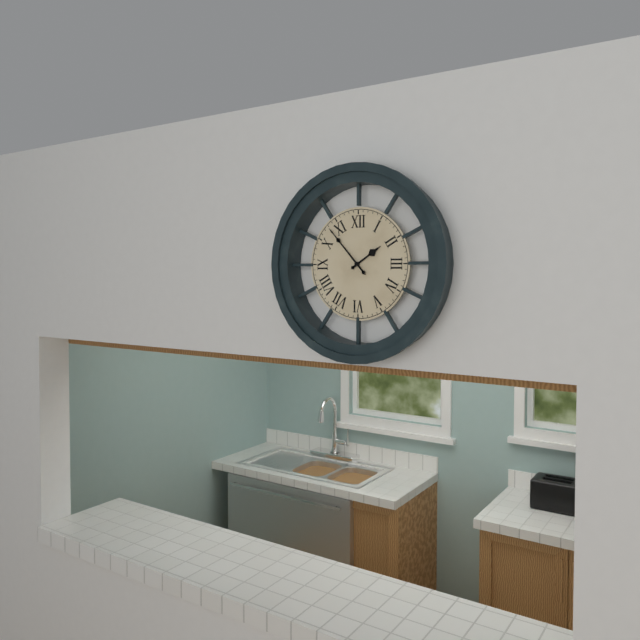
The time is **1:53**
